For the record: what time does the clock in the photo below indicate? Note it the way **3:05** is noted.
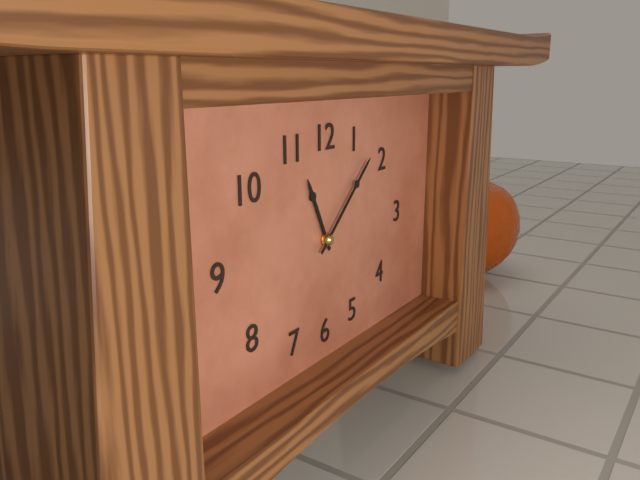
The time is **11:08**
